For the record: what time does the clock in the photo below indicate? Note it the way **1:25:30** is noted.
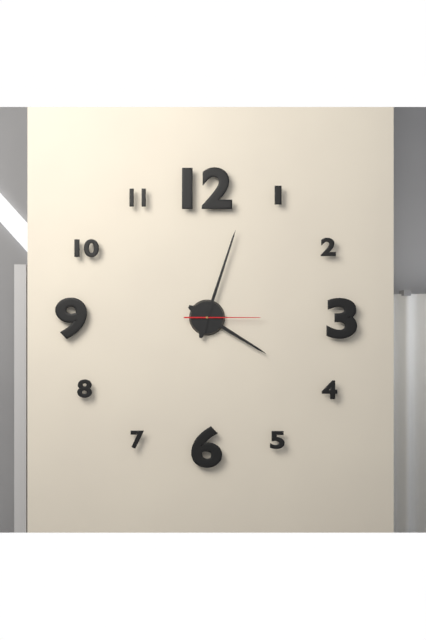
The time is **4:03:15**
